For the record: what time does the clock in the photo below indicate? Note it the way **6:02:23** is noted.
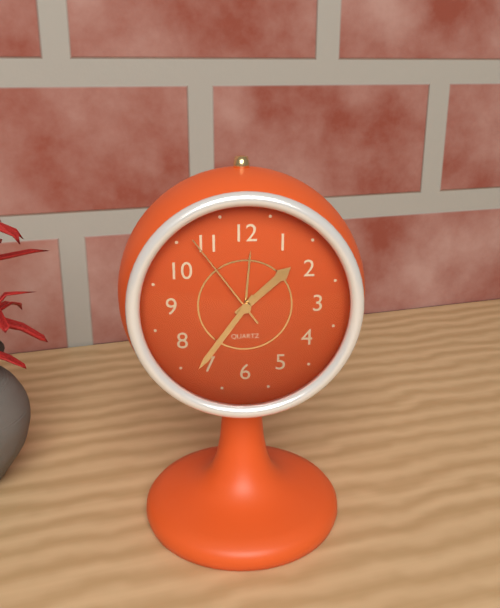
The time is **1:36:54**
